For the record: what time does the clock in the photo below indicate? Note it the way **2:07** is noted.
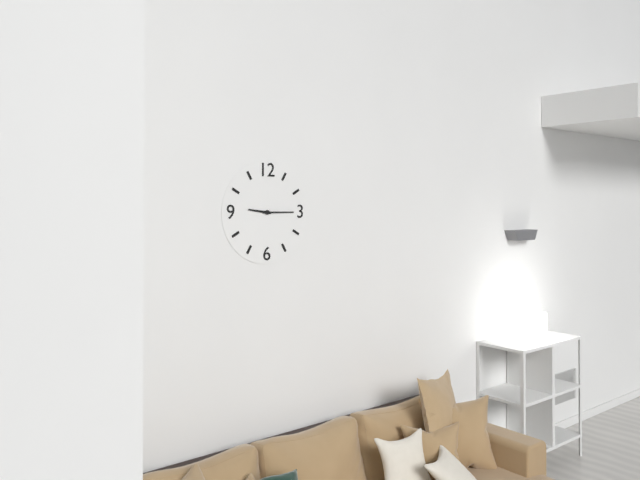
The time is **9:15**
